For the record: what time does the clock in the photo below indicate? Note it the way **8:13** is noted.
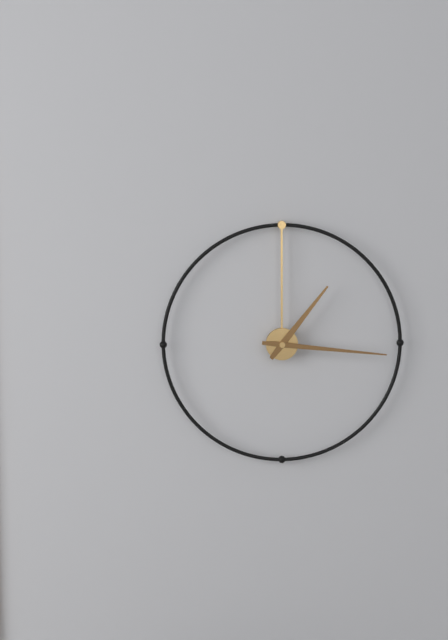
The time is **1:16**
